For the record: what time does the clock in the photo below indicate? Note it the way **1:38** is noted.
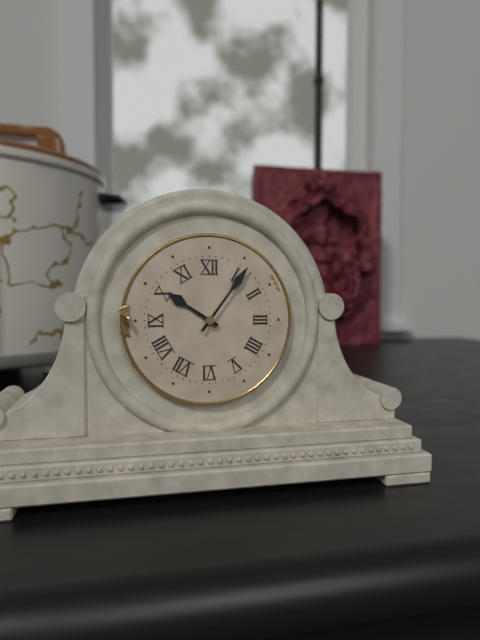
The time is **10:06**
